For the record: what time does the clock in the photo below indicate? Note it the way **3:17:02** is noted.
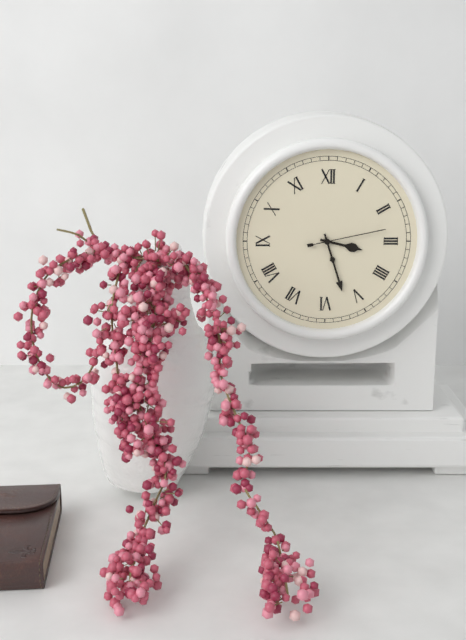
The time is **3:27:13**
